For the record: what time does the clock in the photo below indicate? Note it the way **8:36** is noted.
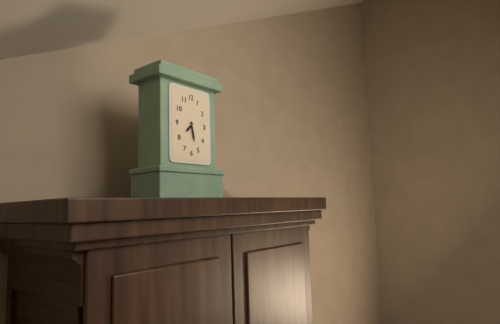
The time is **7:28**
